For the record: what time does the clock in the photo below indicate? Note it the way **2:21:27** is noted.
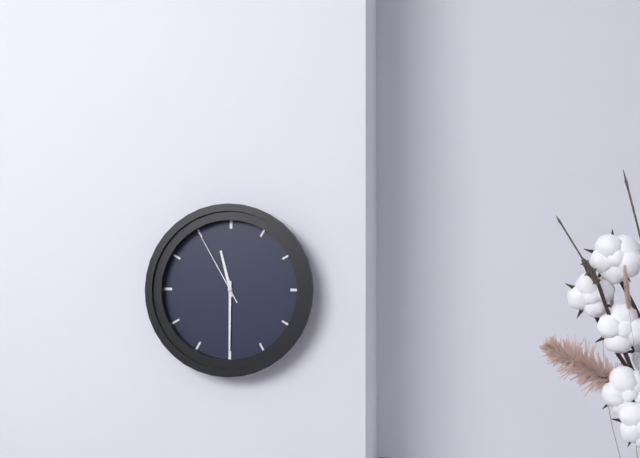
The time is **11:30:55**
